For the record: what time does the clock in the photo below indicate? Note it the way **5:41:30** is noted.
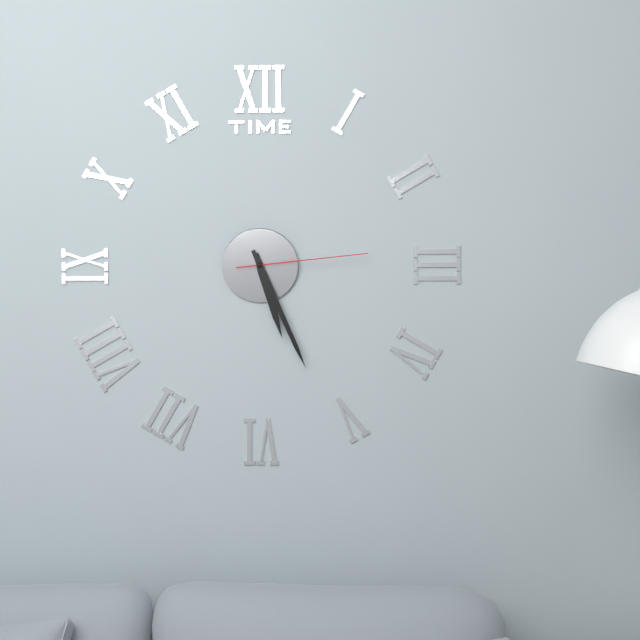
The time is **5:26:14**
